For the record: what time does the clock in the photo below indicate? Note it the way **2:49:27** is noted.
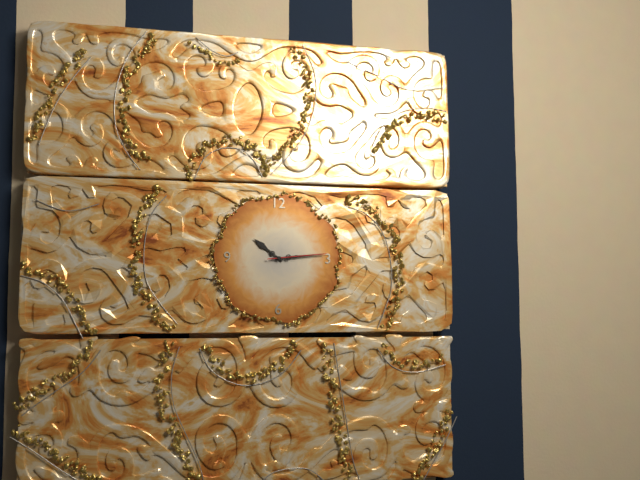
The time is **10:14:14**
